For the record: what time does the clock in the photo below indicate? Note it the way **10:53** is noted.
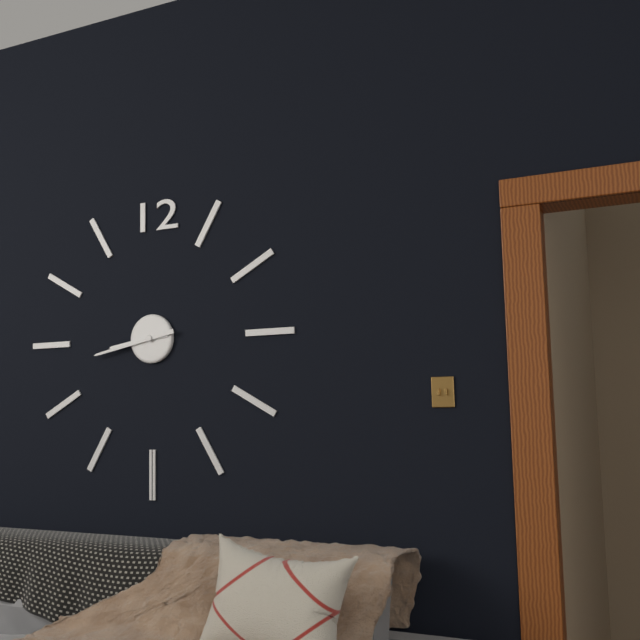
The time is **8:43**
